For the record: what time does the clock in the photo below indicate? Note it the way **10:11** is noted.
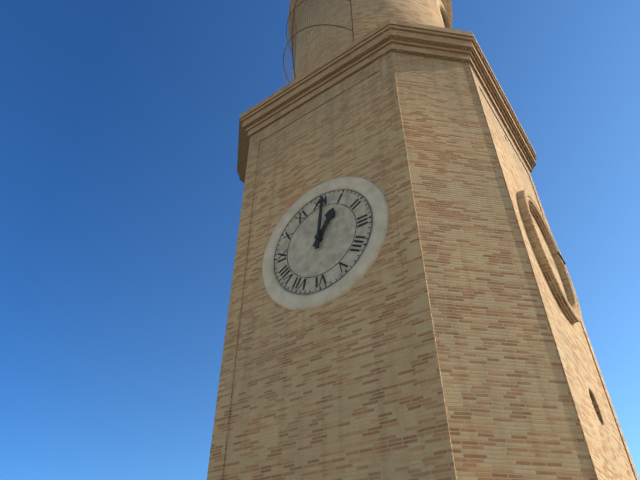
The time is **1:01**
